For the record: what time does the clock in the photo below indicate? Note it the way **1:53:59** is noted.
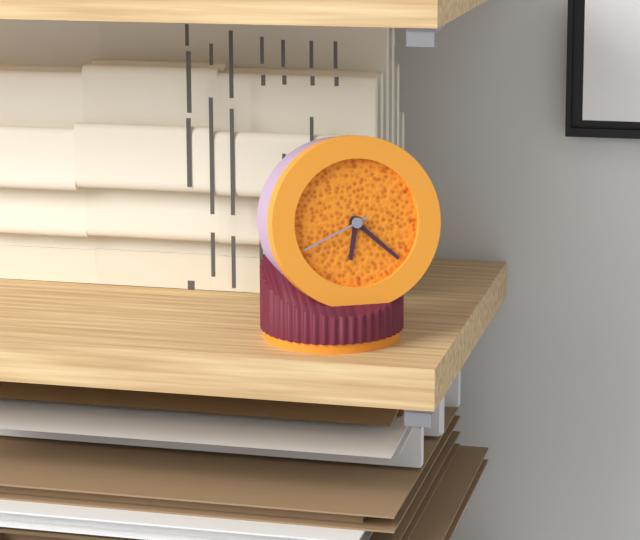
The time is **6:22:41**
